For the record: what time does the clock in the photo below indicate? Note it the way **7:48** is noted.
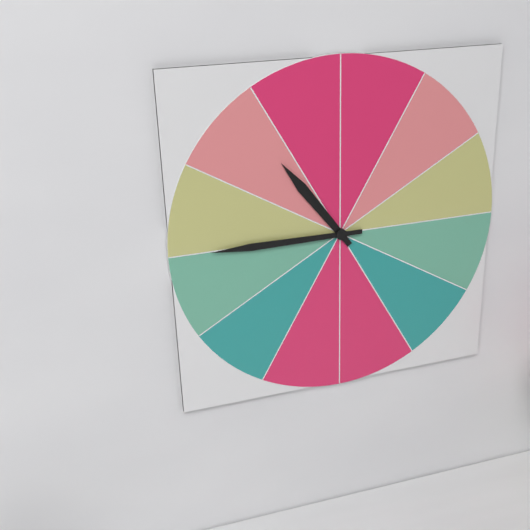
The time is **10:45**
